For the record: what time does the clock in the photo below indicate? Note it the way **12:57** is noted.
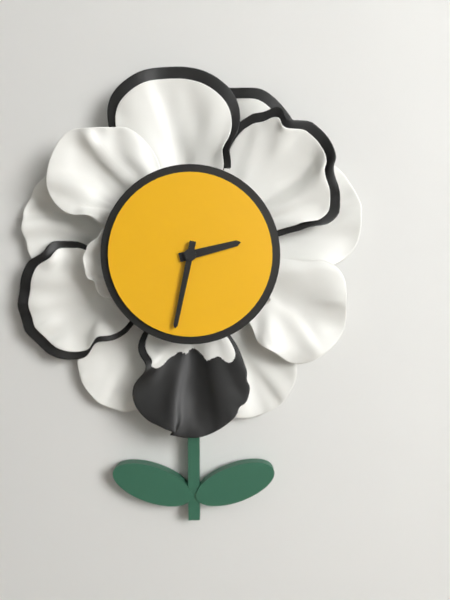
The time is **2:32**
